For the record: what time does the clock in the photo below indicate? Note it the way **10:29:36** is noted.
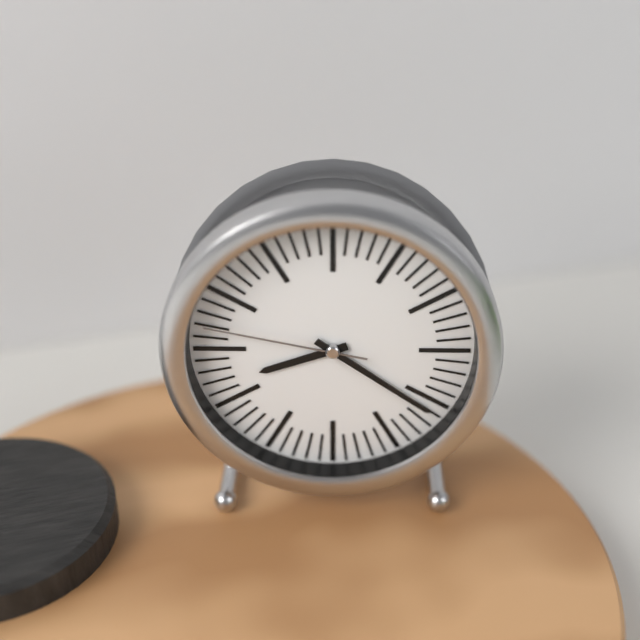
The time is **8:21:47**
